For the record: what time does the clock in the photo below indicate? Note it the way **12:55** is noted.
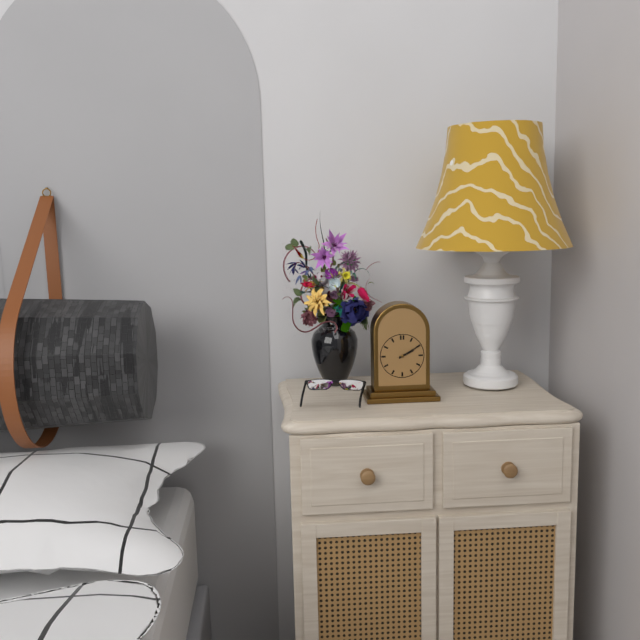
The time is **2:10**
